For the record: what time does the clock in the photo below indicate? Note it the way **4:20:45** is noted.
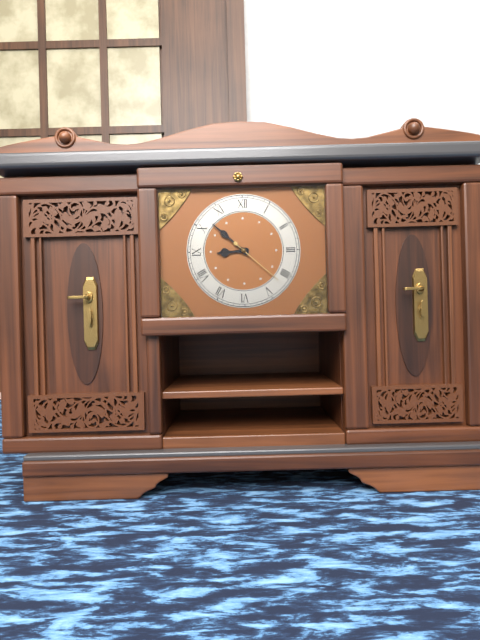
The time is **8:52:22**
